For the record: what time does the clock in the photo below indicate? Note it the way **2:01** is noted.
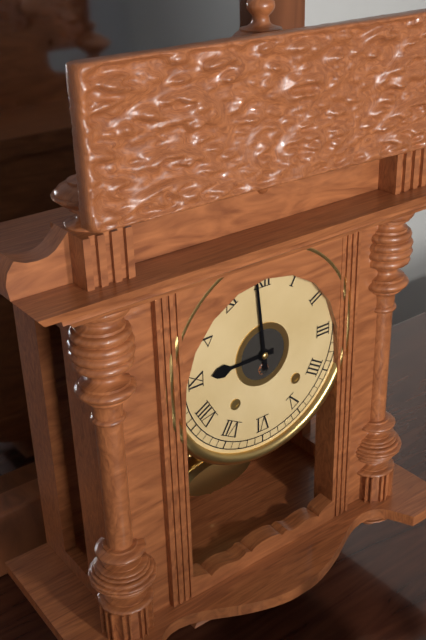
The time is **8:59**
